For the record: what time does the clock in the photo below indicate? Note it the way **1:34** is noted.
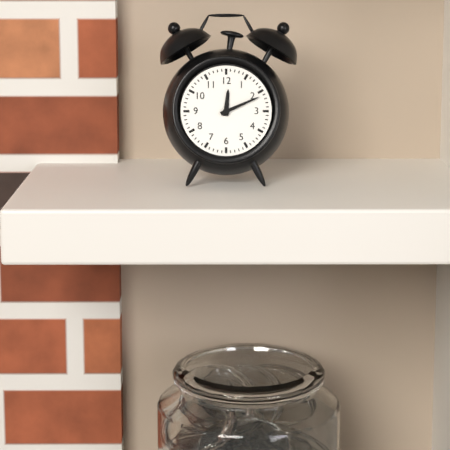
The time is **12:11**
